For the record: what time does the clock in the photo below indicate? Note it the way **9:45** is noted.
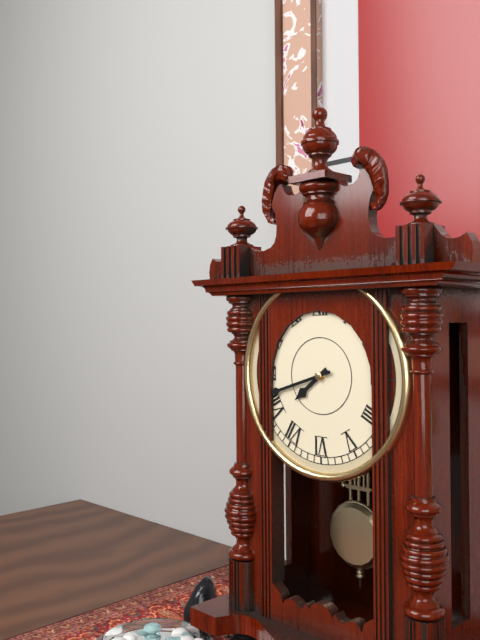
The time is **7:42**
